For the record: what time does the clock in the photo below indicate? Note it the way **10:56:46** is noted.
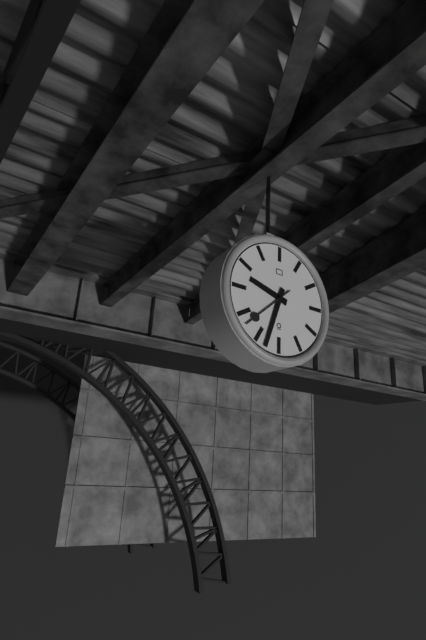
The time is **9:33:38**
